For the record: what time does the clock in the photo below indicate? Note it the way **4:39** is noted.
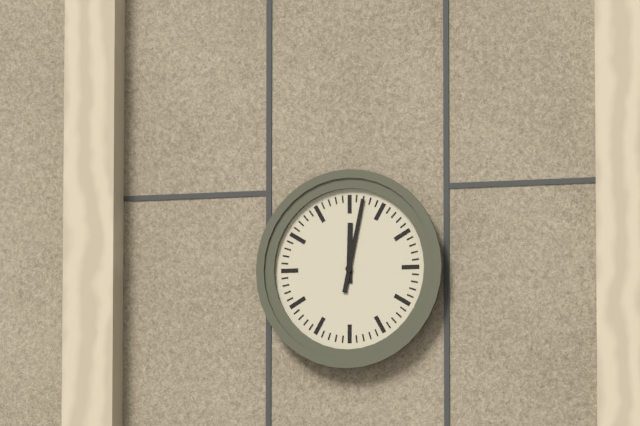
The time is **12:02**
